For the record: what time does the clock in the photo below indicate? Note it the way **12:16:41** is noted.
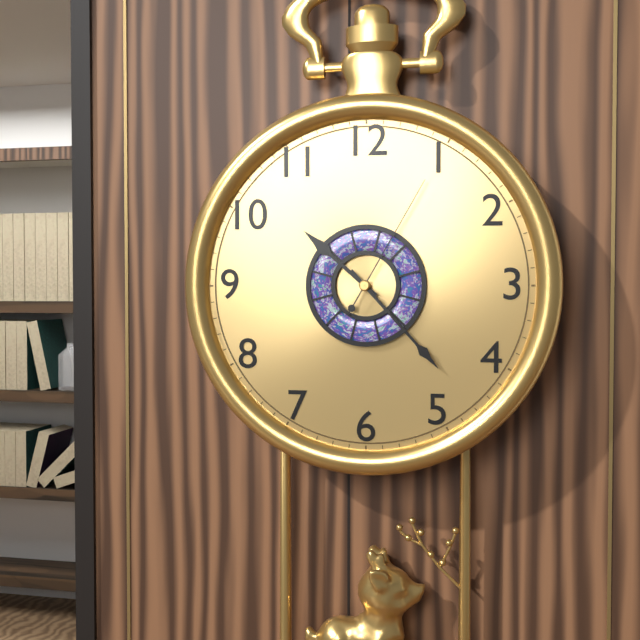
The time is **10:23:05**
